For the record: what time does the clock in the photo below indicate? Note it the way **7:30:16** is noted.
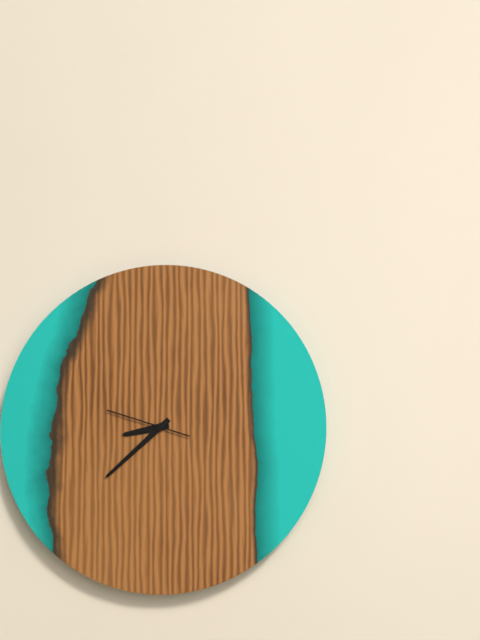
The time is **8:38:48**
